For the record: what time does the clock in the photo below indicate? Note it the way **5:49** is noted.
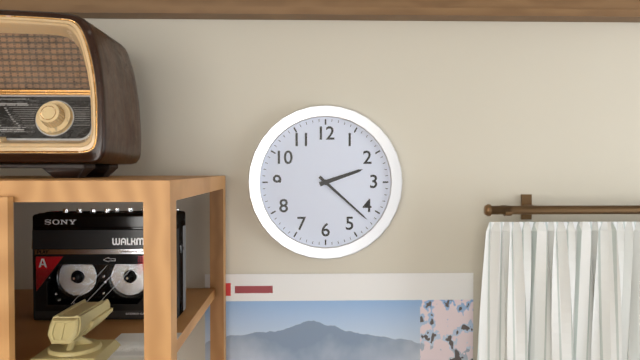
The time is **2:22**
